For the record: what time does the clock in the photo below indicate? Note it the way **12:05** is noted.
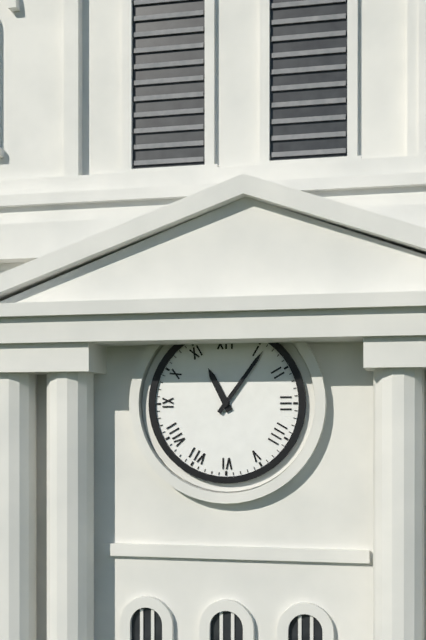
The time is **11:06**
